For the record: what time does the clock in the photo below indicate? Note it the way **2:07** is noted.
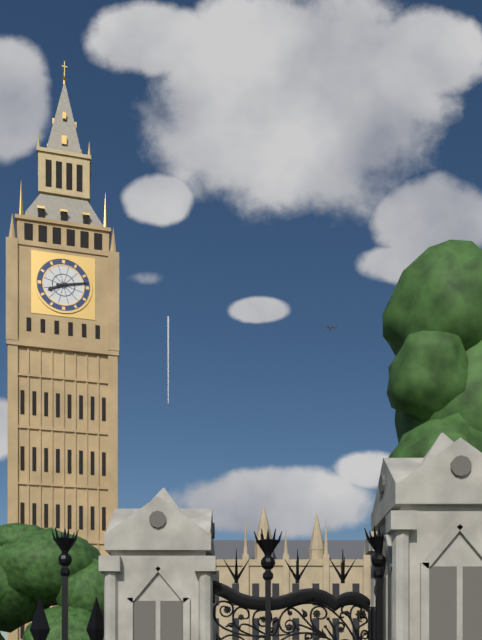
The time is **8:13**
